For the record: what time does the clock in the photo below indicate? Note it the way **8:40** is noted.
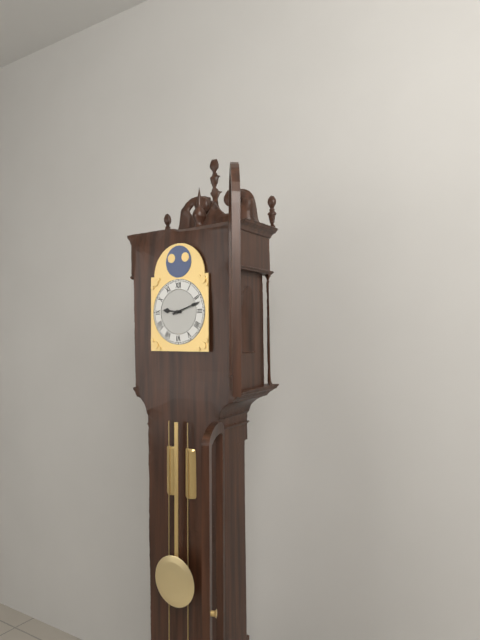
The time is **9:12**
